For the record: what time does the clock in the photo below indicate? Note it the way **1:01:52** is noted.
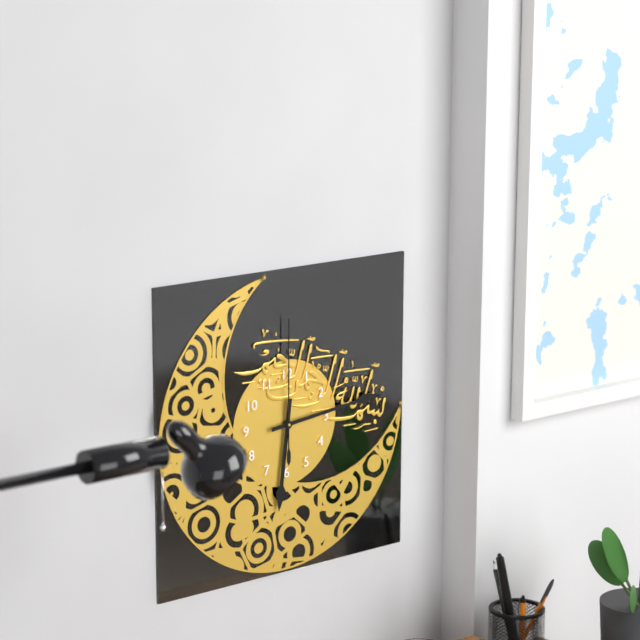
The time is **6:14:00**
